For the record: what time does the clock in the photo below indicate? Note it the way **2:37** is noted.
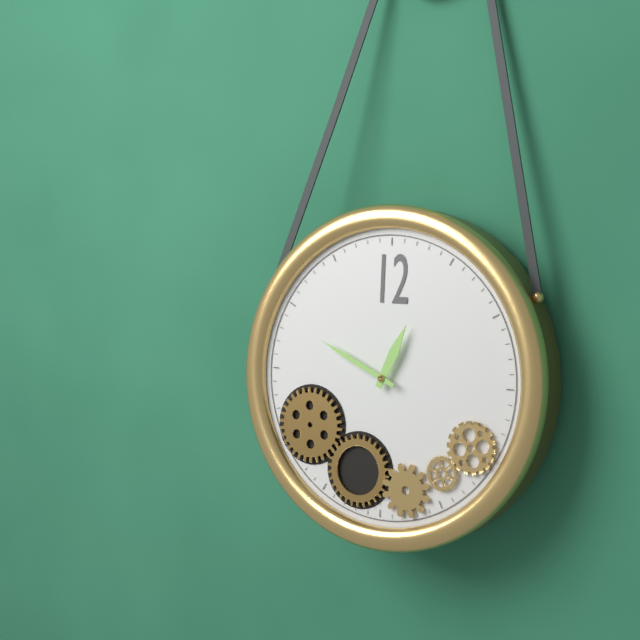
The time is **12:49**
